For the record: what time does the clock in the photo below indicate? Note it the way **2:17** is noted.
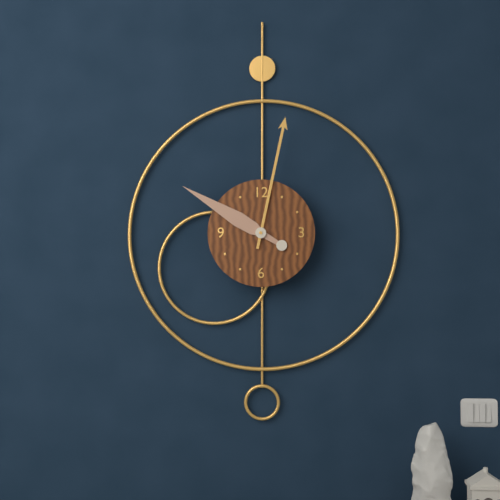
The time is **10:02**
